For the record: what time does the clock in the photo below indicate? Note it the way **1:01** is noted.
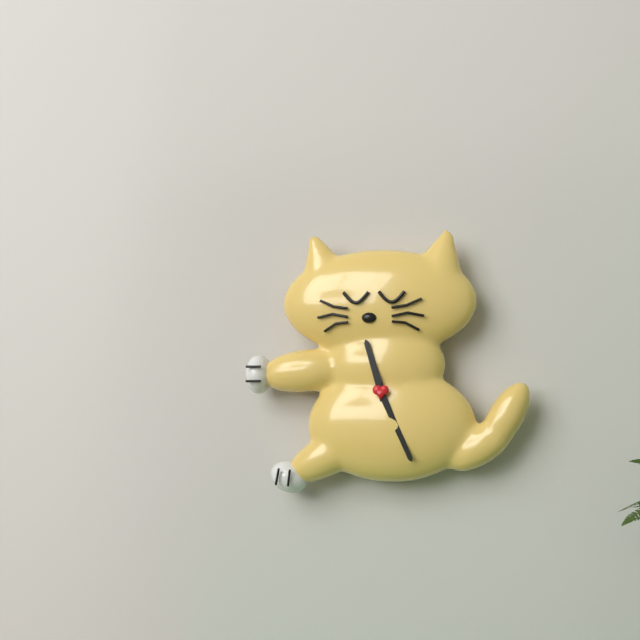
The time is **11:26**
